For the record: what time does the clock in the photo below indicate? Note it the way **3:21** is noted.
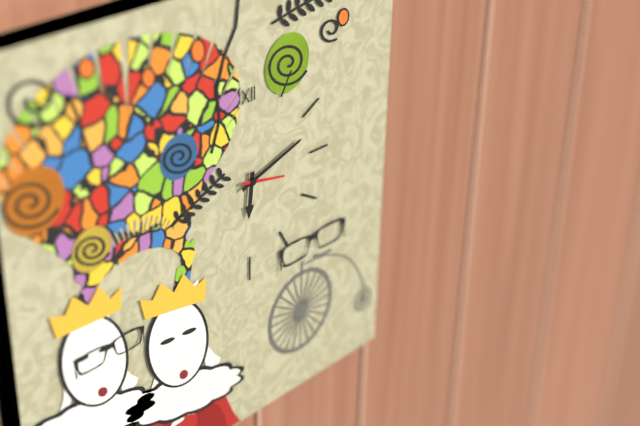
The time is **6:12**
